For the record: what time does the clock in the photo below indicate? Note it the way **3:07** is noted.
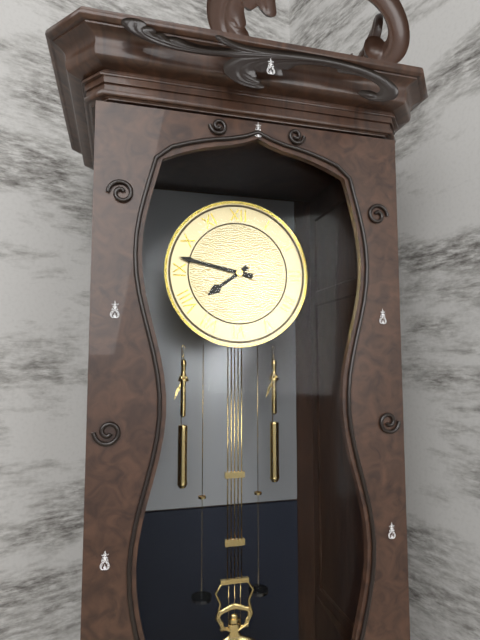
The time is **7:47**
